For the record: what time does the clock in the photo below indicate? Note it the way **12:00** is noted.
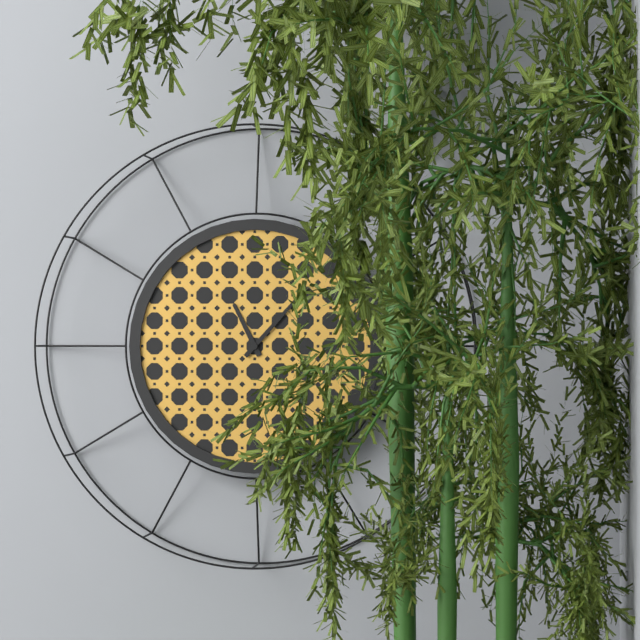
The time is **11:07**
